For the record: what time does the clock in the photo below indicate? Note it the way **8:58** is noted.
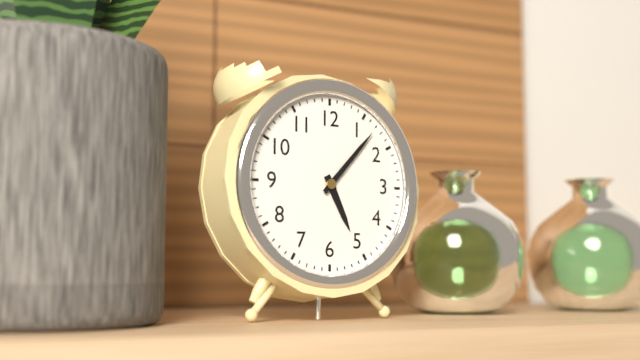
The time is **5:07**
